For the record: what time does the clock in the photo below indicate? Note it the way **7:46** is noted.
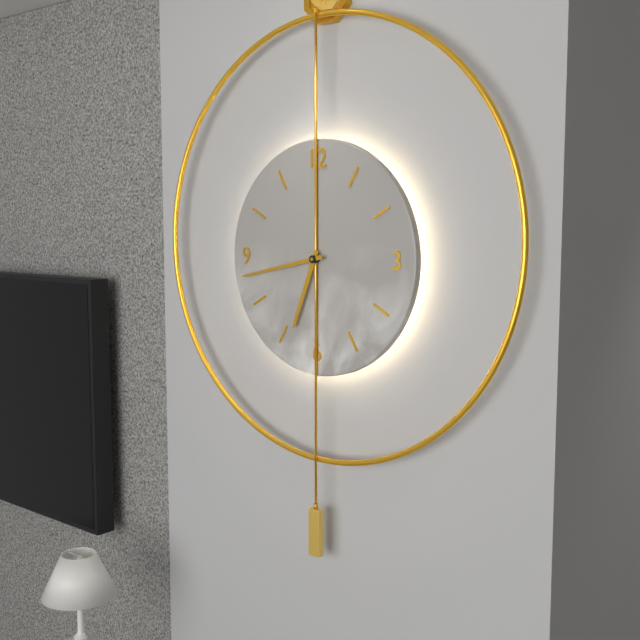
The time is **6:43**
